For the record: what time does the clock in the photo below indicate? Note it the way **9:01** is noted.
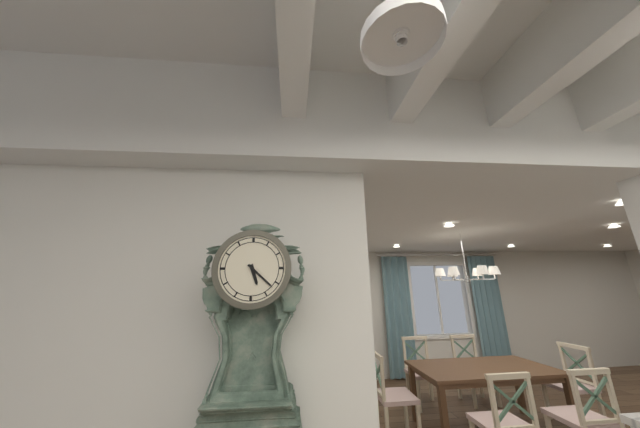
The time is **5:22**
